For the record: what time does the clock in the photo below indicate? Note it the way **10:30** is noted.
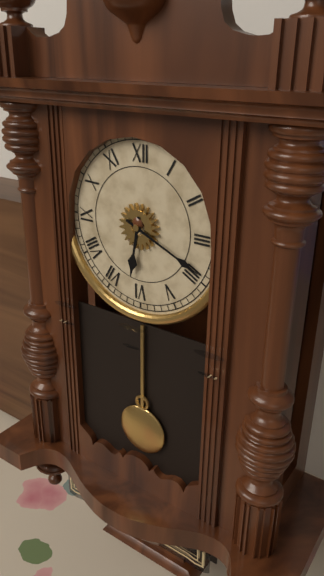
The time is **6:19**
